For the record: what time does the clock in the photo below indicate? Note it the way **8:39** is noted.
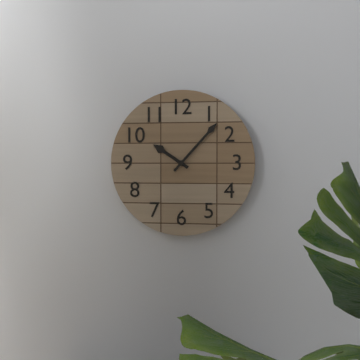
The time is **10:07**
